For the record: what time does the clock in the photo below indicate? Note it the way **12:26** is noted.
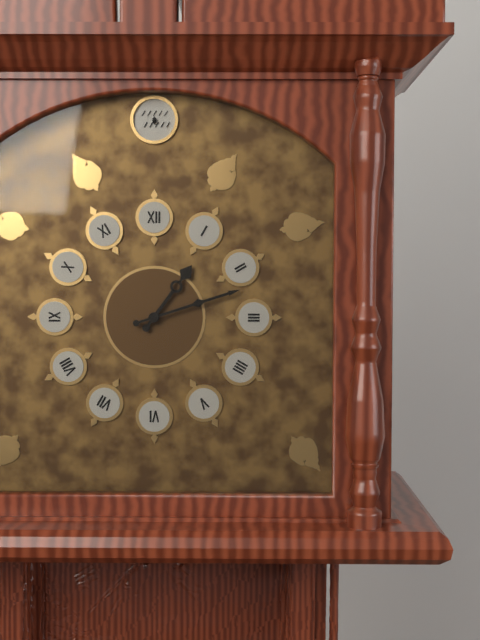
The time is **1:12**
